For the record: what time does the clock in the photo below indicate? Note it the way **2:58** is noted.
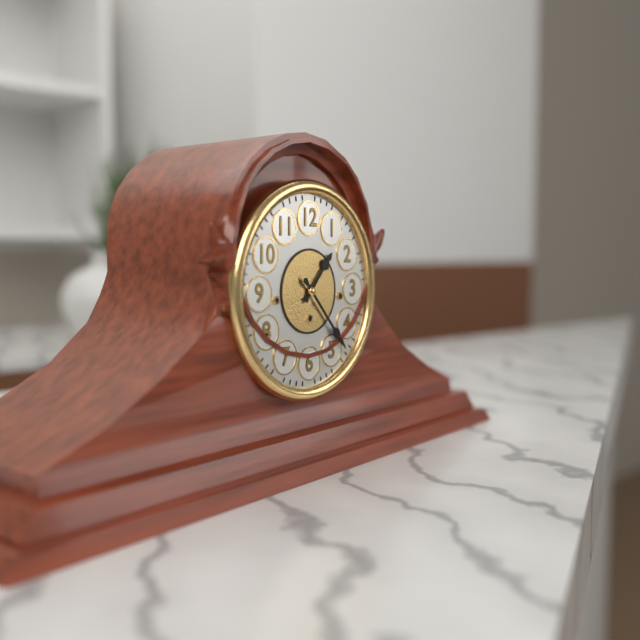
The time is **1:23**
